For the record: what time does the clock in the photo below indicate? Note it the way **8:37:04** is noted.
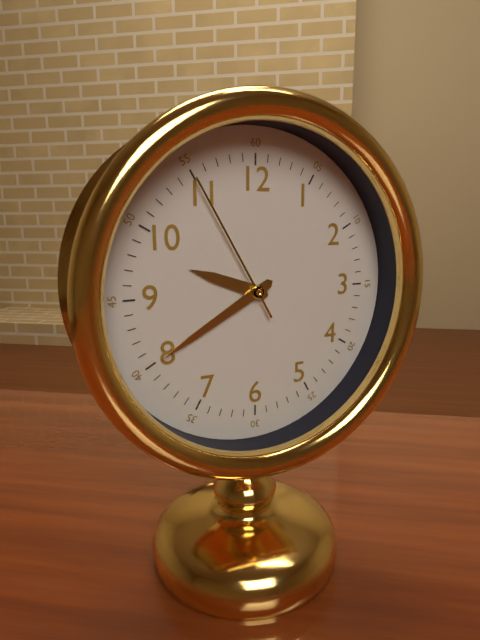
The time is **9:40:55**
